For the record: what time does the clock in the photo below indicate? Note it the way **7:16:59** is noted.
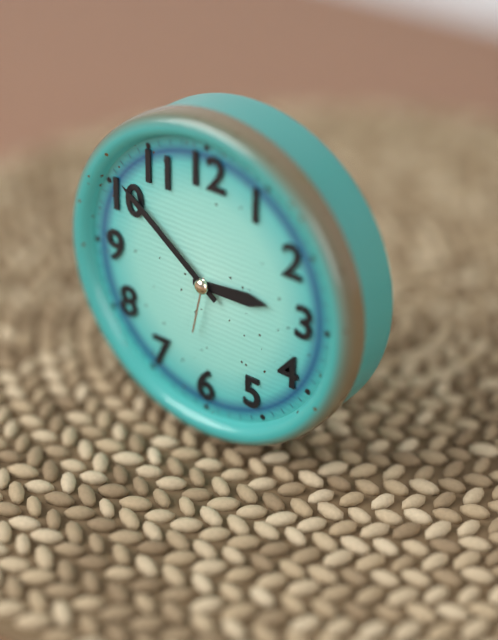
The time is **2:51:32**
